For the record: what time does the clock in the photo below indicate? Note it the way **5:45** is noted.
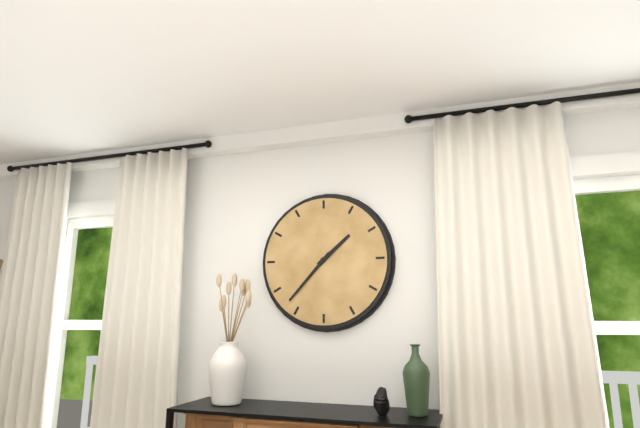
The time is **1:37**
